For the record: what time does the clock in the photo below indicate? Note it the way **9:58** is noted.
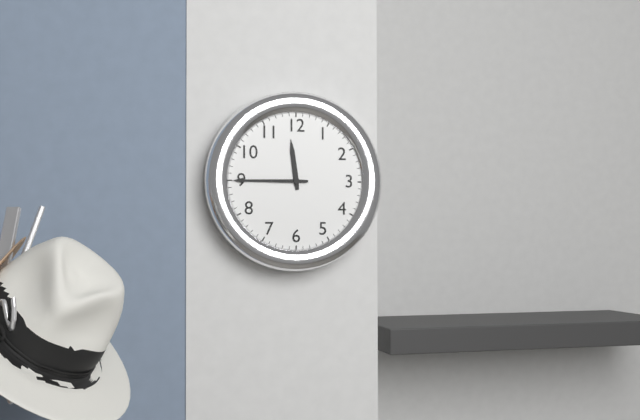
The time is **11:45**
